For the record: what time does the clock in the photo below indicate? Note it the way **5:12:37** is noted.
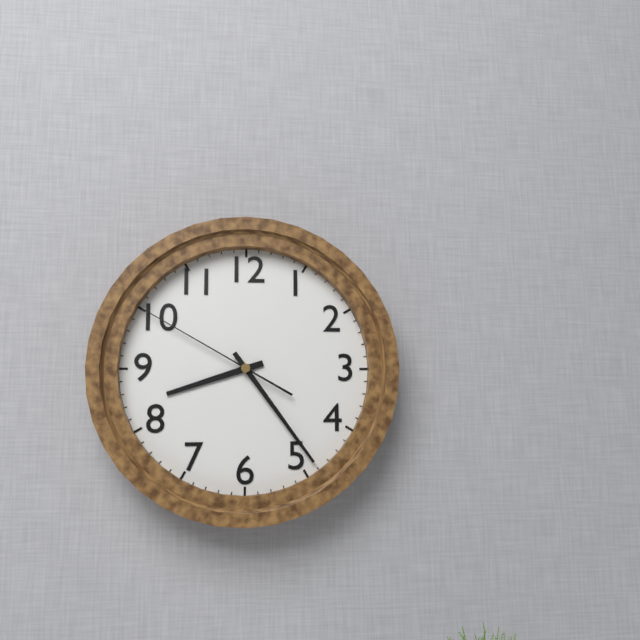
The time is **8:24:50**
